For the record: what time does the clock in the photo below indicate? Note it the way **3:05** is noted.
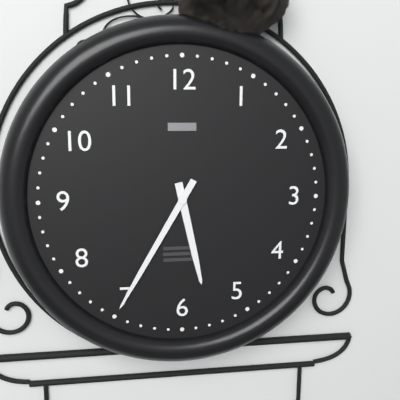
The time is **5:35**
